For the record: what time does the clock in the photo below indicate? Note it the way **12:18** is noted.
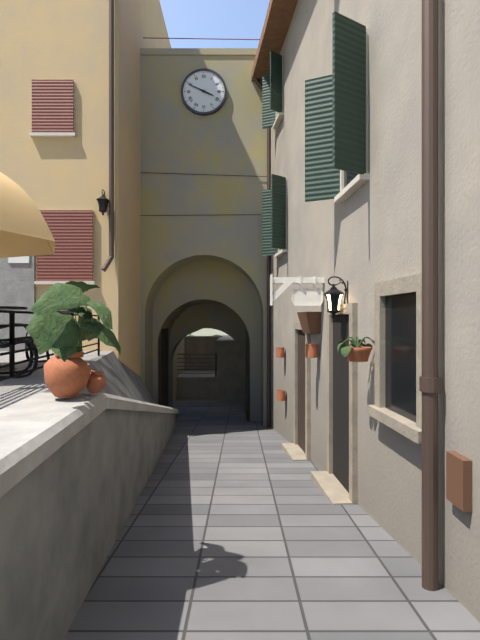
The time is **3:49**
